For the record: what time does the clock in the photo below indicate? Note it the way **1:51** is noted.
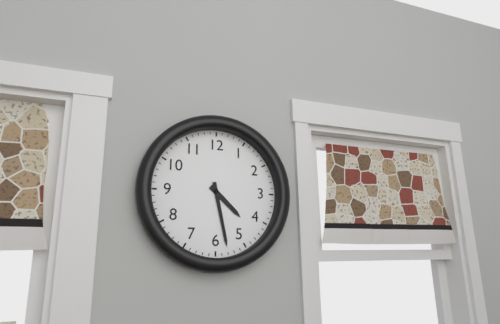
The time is **4:28**
